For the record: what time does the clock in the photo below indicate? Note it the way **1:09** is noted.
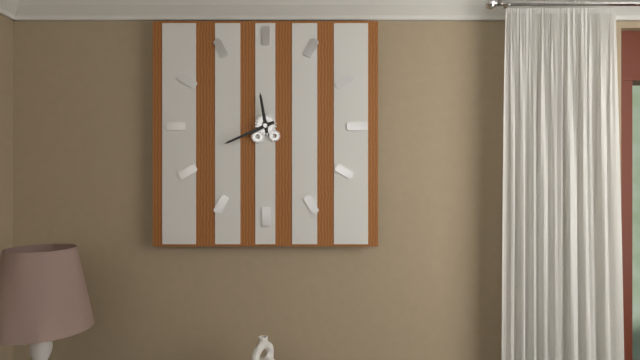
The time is **11:41**
